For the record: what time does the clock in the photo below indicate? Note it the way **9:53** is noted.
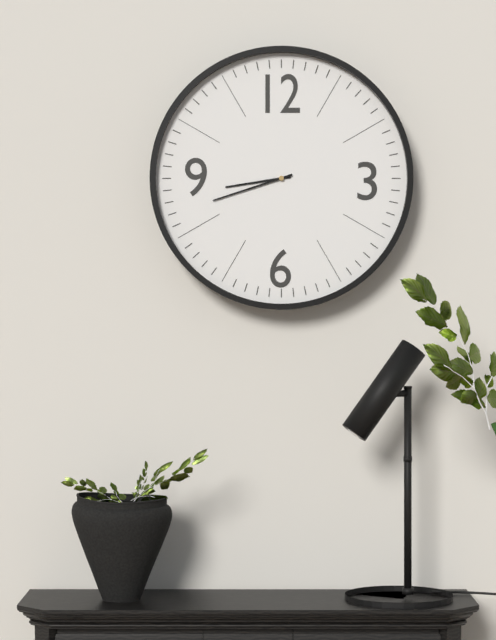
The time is **8:42**
